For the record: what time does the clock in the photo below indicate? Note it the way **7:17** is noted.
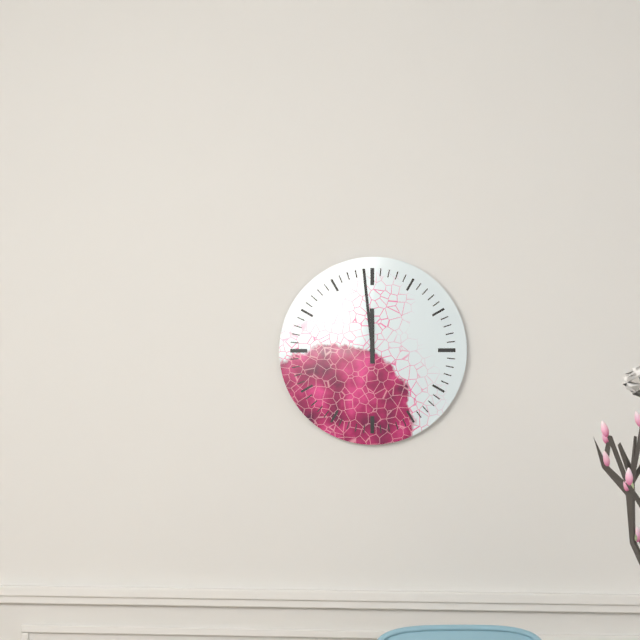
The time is **11:59**
